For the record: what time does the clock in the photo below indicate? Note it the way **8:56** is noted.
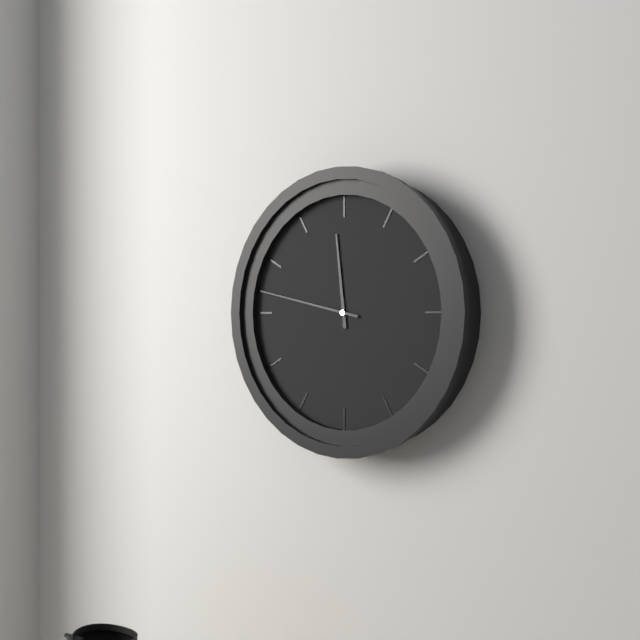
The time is **11:47**
